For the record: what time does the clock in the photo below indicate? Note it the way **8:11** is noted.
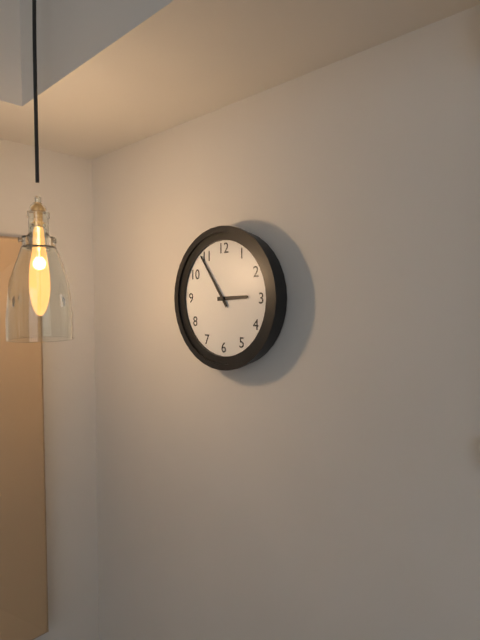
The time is **2:54**
